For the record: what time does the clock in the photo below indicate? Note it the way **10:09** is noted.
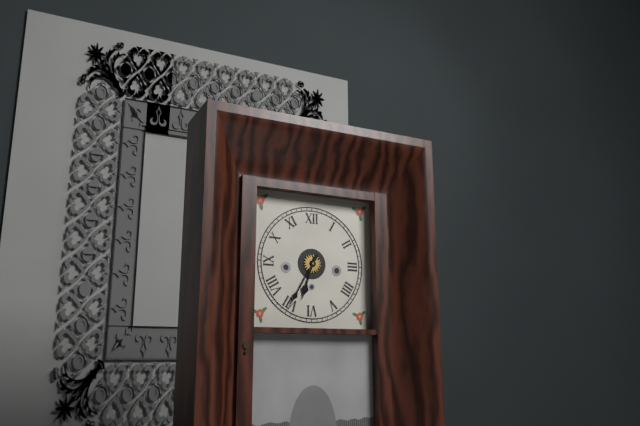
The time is **6:35**
